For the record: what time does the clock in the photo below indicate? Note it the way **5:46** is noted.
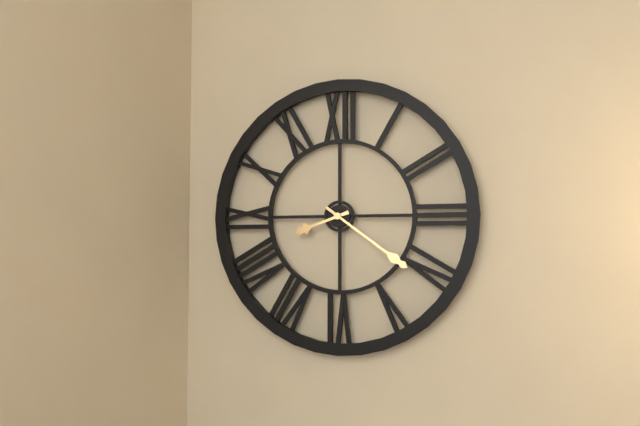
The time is **8:21**
